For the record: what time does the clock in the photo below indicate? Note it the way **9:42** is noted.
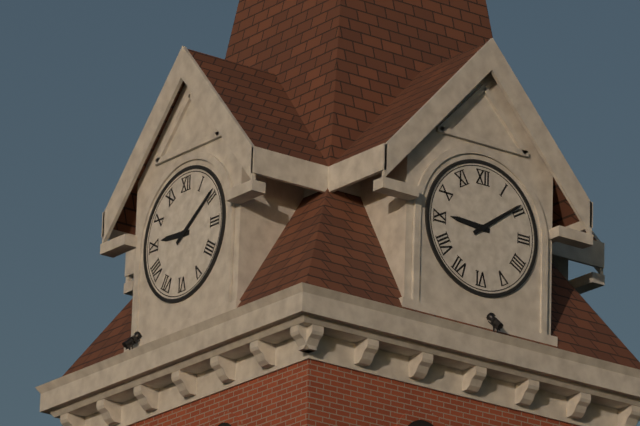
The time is **9:09**
